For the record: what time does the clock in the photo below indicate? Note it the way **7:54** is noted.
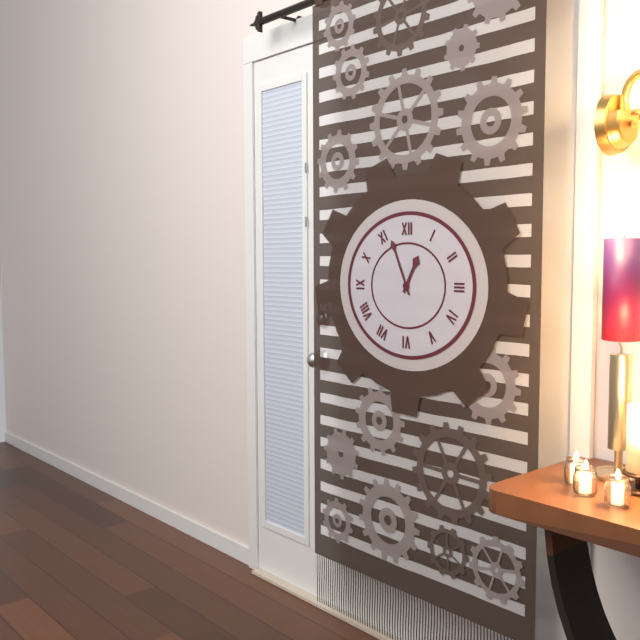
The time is **12:56**
